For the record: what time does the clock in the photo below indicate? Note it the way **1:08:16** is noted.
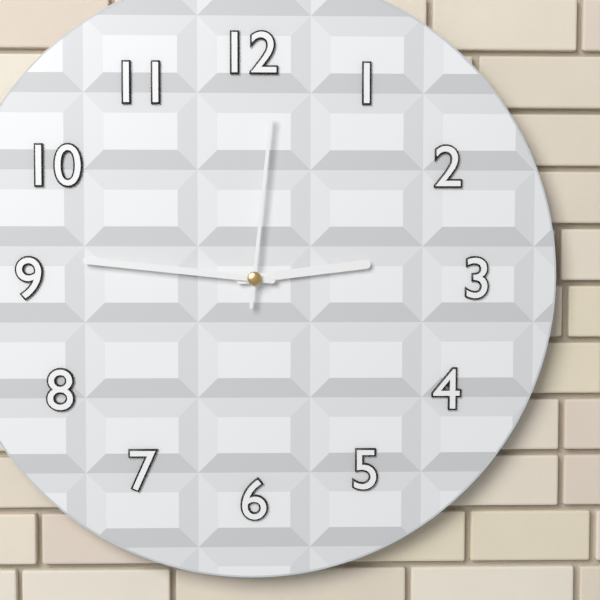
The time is **2:46:01**
